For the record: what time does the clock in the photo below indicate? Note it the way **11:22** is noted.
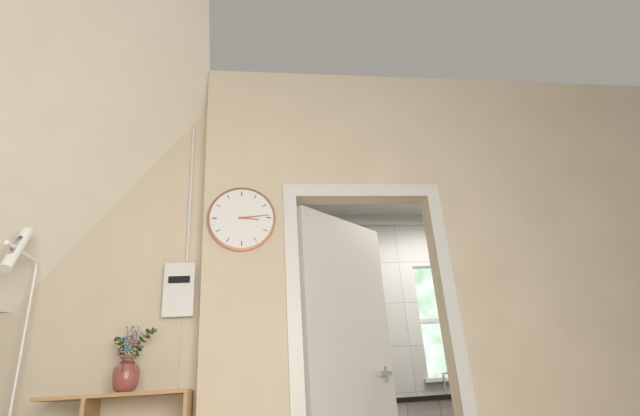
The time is **3:14**
